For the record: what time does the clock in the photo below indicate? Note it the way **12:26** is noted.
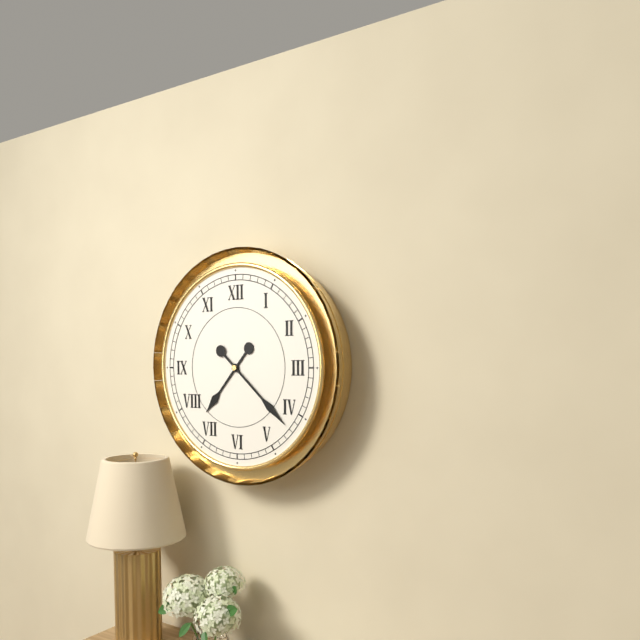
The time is **7:22**
